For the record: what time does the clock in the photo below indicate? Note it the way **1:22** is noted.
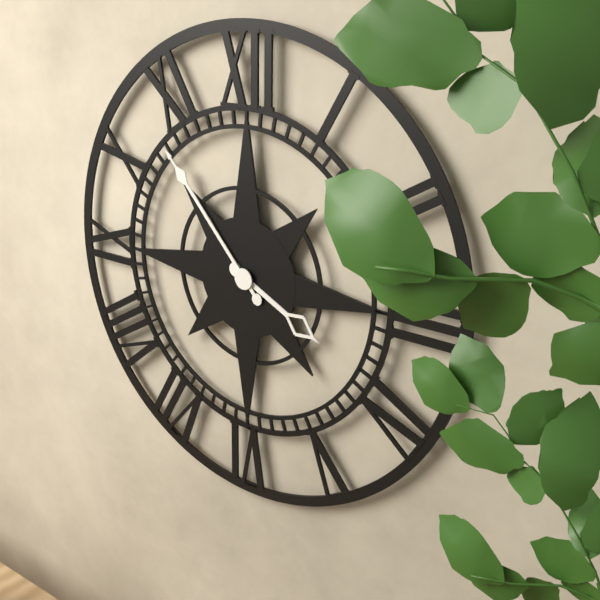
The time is **3:53**
